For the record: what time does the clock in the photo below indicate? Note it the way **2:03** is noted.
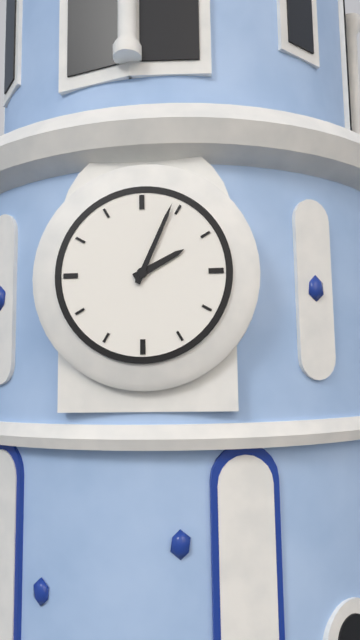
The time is **2:04**
